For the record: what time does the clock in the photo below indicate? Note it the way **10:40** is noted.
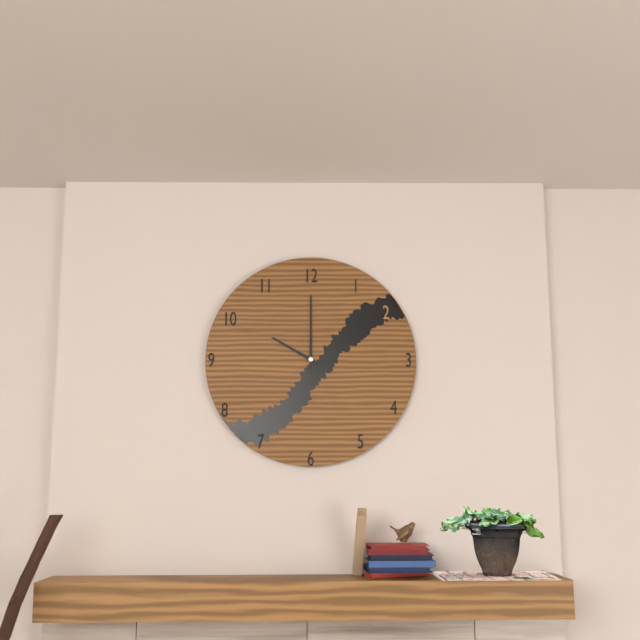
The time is **10:00**
